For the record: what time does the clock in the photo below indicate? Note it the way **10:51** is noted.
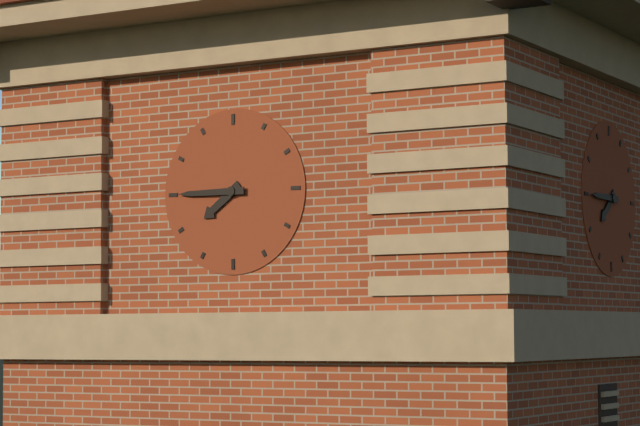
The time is **7:45**
